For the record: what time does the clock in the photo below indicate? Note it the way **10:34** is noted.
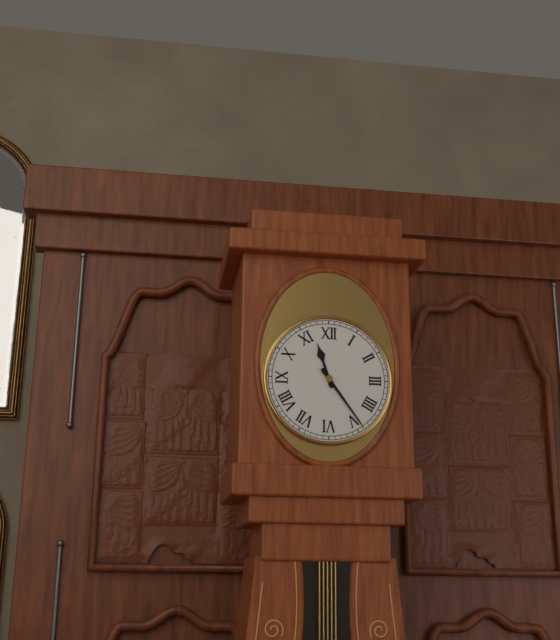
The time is **11:24**
